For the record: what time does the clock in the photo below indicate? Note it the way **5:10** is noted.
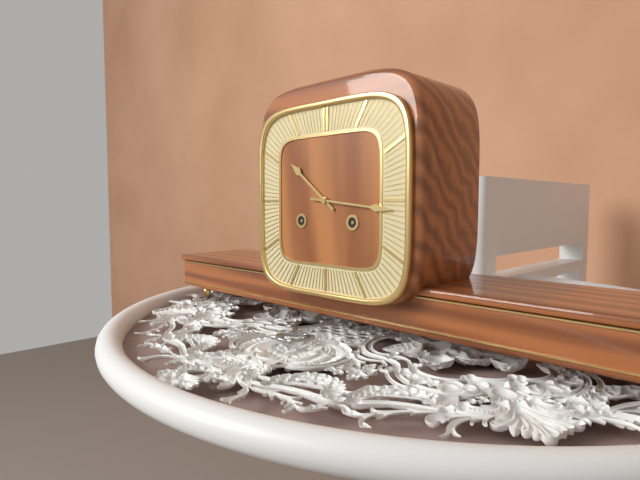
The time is **10:16**
